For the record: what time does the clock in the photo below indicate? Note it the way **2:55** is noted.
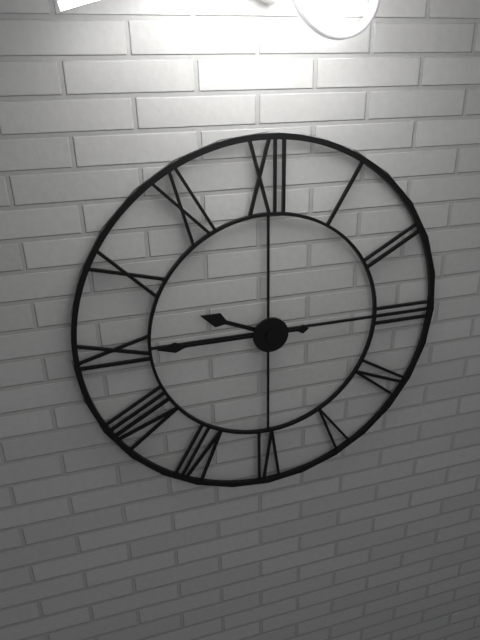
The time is **9:45**
